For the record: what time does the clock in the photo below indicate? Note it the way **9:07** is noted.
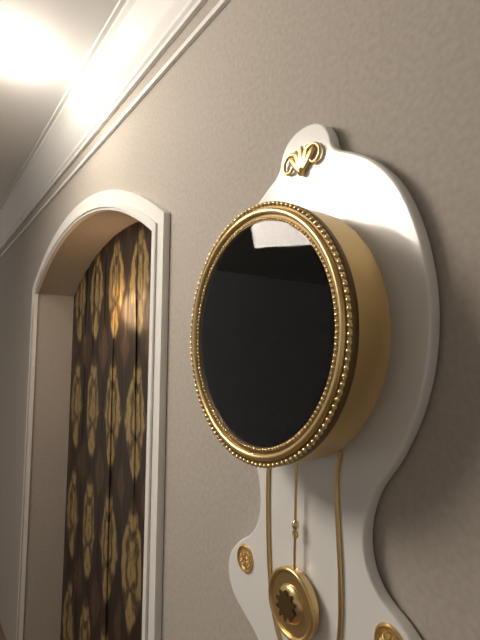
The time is **9:05**
